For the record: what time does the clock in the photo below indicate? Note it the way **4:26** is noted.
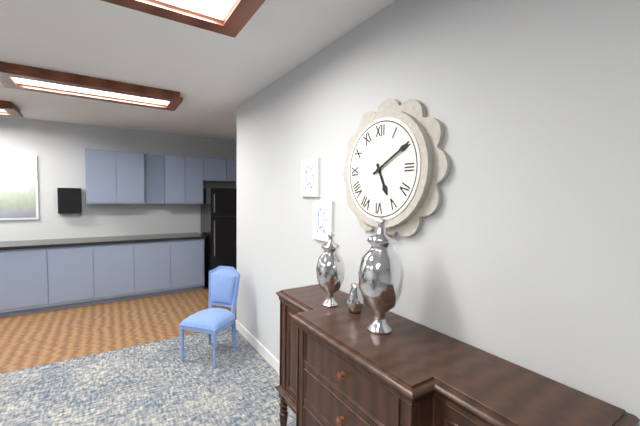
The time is **5:10**
